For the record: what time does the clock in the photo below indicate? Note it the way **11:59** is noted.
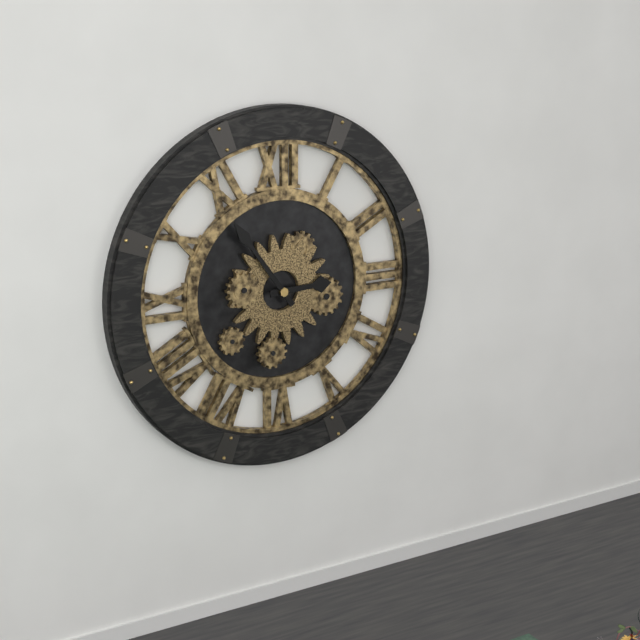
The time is **2:54**
